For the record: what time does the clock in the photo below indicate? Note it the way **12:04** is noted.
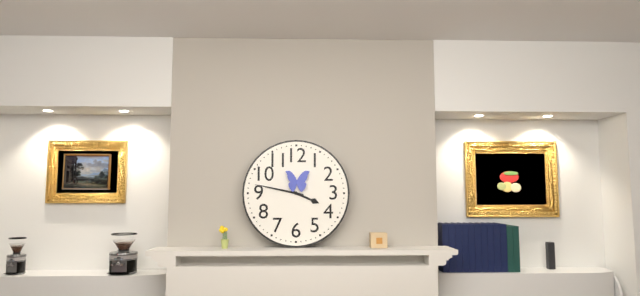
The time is **3:47**
